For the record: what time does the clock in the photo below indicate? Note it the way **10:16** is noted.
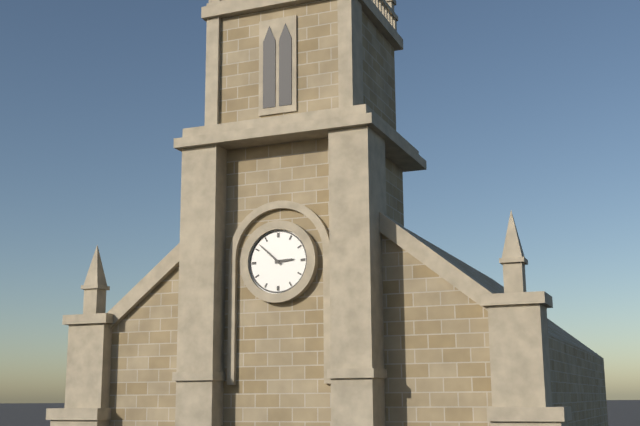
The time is **2:52**
